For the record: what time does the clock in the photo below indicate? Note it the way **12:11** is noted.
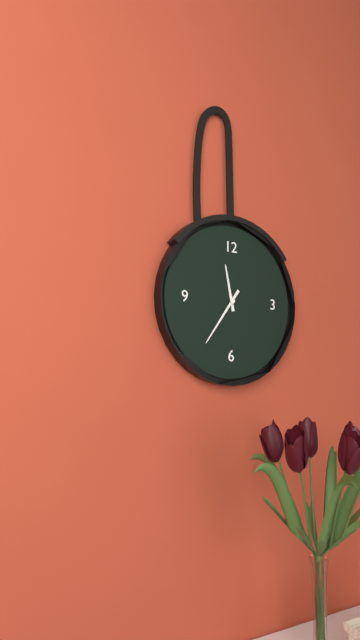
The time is **11:36**
